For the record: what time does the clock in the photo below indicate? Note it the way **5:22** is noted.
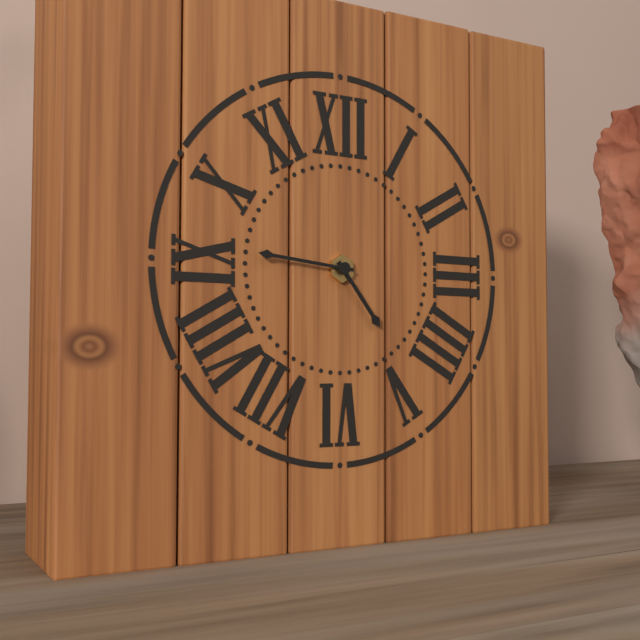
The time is **4:46**
